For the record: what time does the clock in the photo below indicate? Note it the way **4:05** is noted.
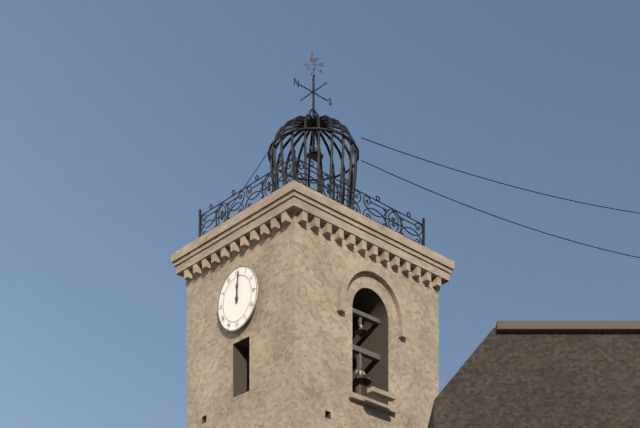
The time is **12:01**
